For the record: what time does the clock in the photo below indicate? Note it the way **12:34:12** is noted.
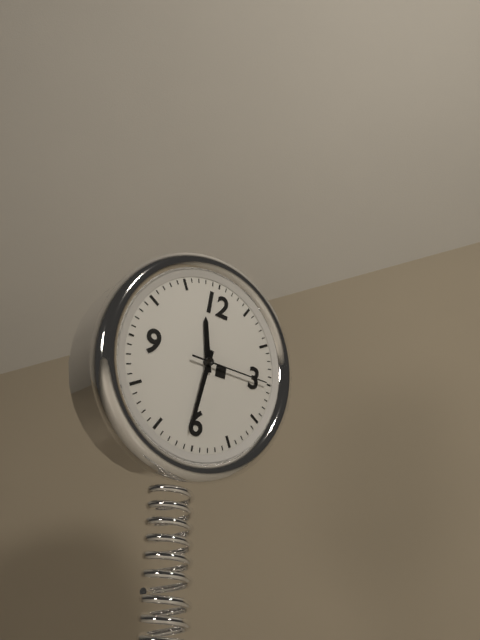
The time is **11:31:15**
